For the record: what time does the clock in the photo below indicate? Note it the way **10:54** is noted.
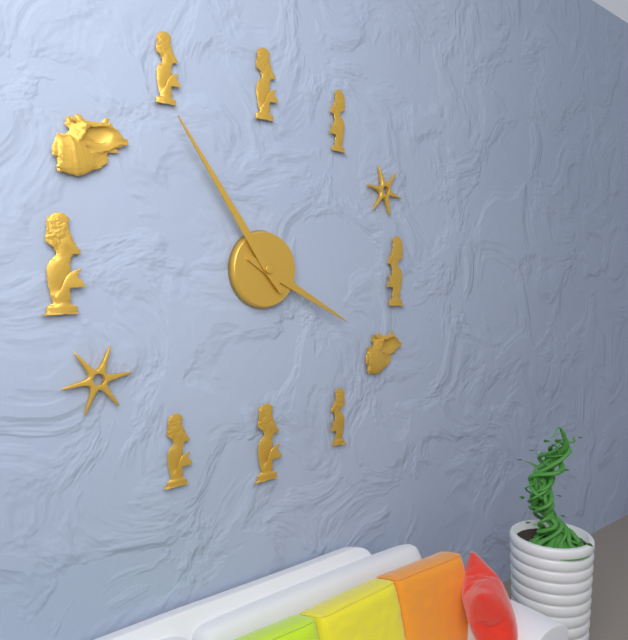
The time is **3:54**
